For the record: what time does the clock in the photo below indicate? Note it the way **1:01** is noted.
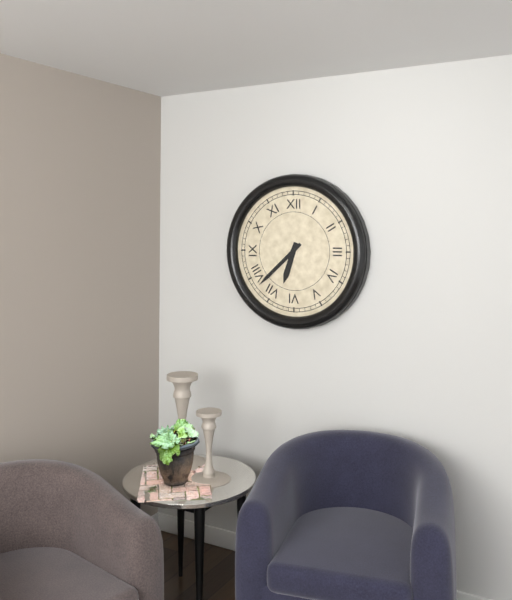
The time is **6:38**
